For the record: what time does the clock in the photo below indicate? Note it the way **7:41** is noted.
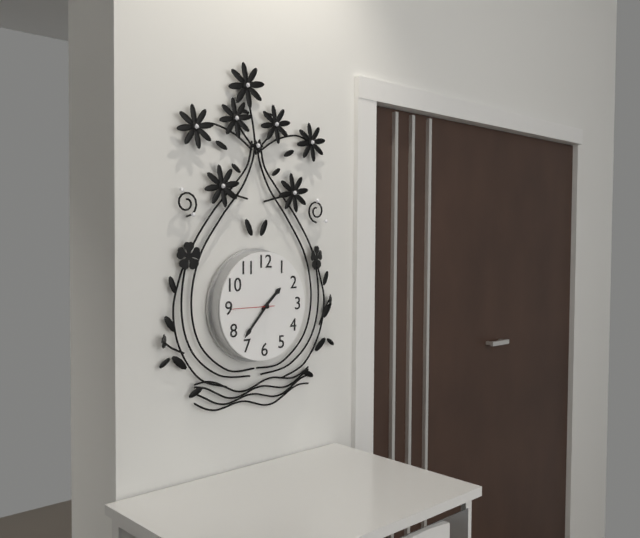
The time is **1:37**
